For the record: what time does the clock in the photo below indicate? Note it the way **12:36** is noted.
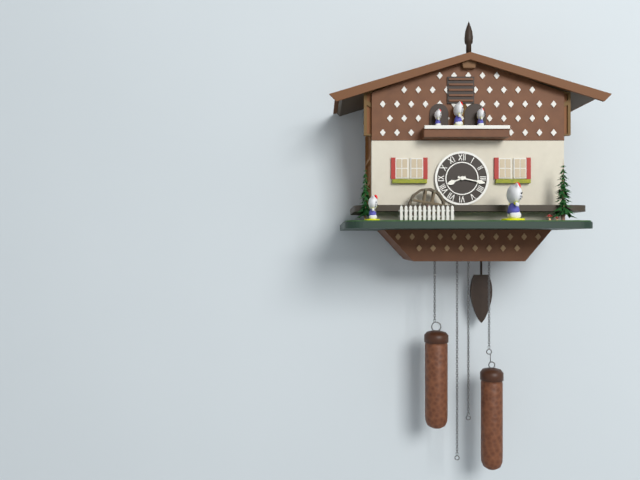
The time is **8:17**
